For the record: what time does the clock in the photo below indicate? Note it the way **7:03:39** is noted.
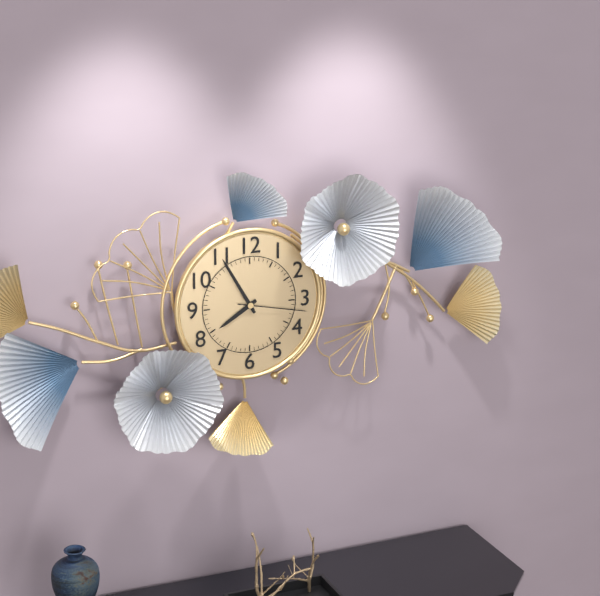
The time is **7:55:17**
